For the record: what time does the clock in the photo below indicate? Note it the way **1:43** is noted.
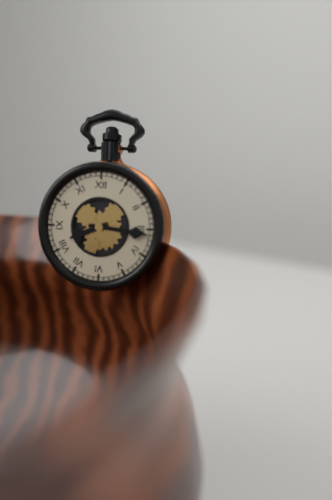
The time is **8:16**
